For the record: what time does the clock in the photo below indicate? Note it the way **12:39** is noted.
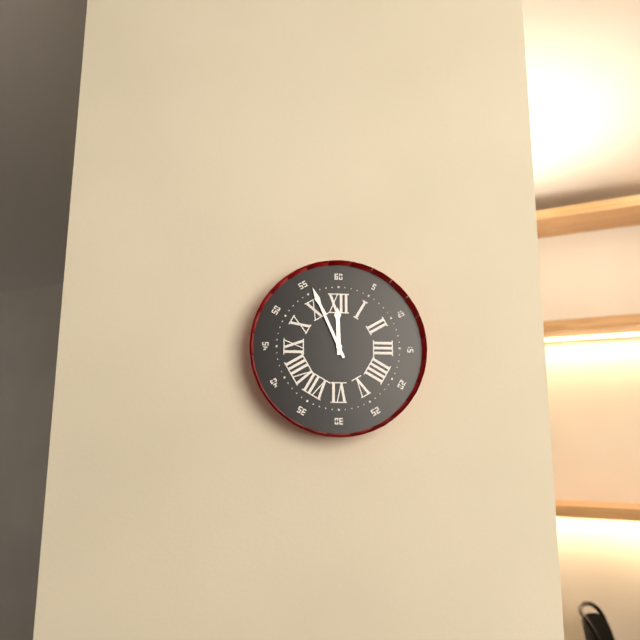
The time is **11:56**
